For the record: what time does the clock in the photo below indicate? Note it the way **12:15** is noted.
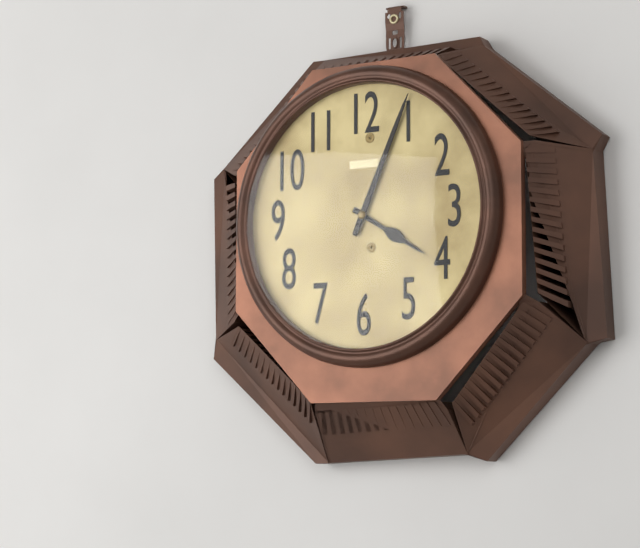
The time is **4:04**
